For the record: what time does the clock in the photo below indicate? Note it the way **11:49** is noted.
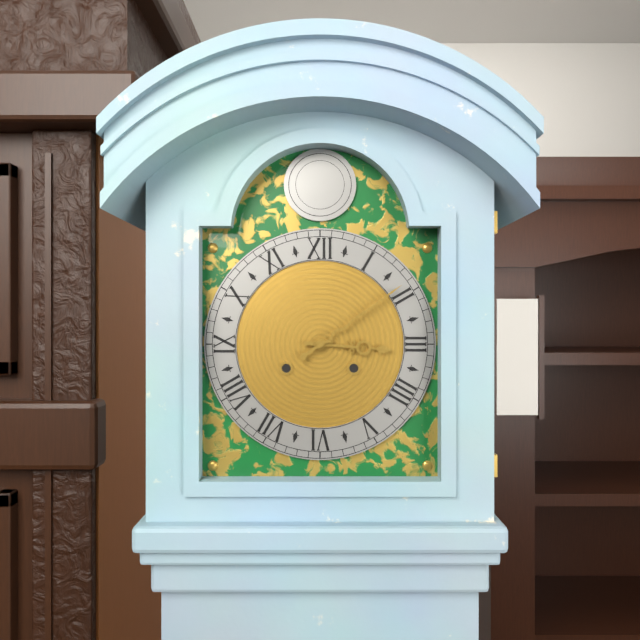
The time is **3:09**
